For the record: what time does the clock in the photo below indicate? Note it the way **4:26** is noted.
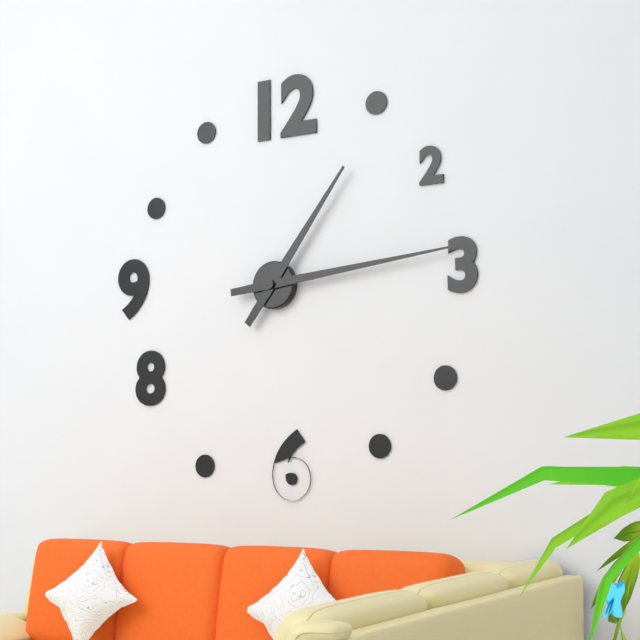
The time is **1:14**
